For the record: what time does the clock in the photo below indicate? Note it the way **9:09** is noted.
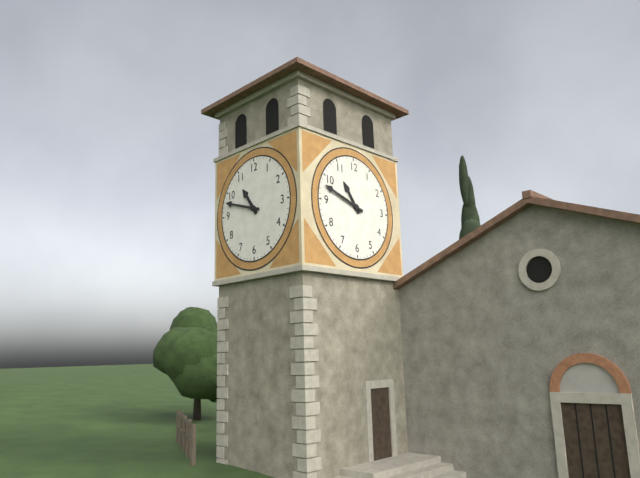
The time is **10:48**
